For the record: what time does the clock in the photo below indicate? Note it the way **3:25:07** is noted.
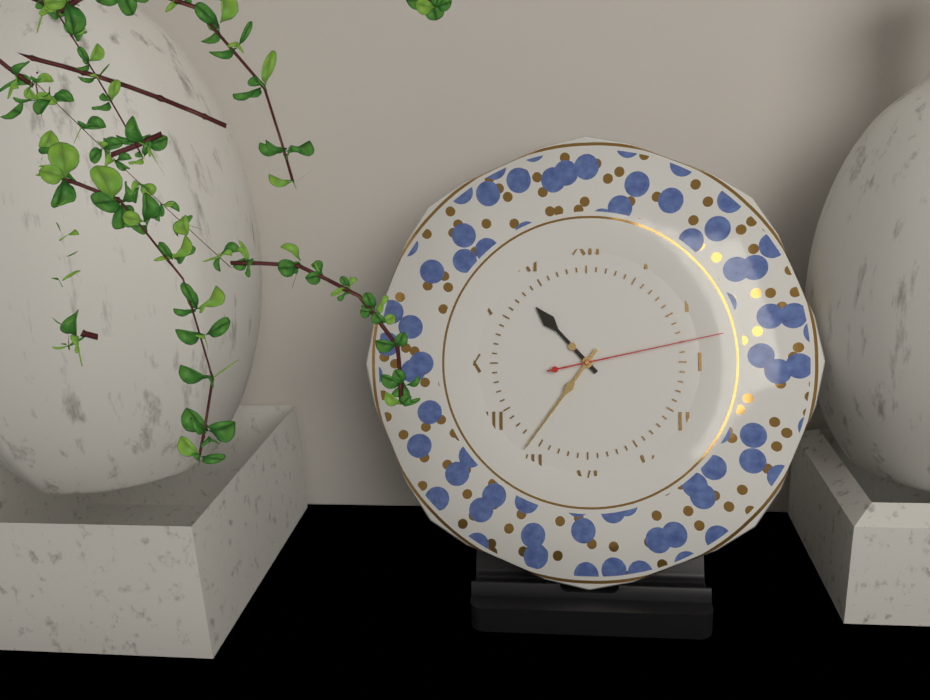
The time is **10:36:13**
